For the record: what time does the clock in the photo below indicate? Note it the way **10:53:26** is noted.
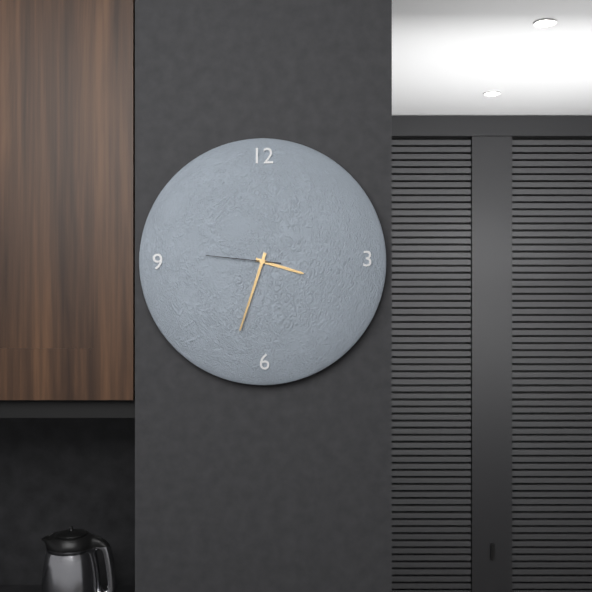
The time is **3:33:46**
